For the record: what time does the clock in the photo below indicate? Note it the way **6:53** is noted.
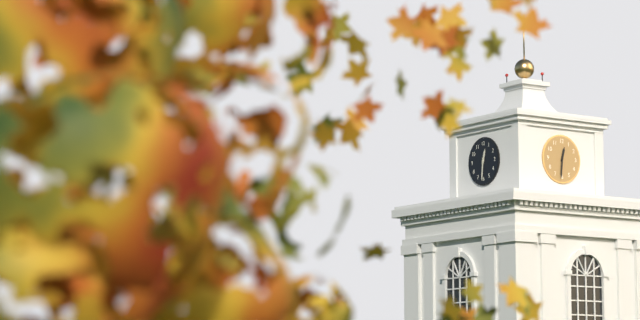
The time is **12:31**
